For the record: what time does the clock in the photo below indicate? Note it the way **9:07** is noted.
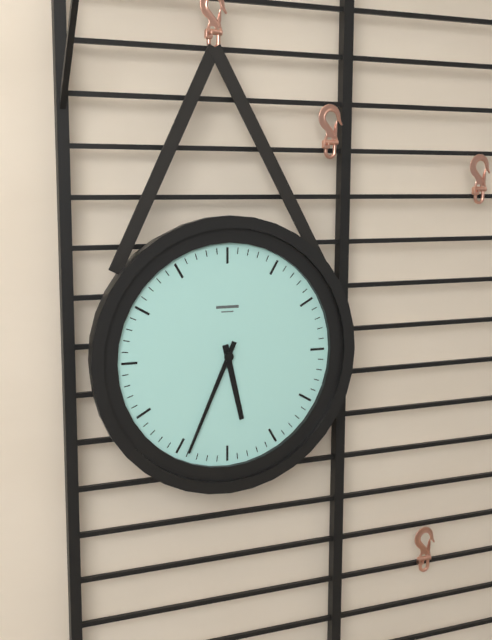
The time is **5:34**
